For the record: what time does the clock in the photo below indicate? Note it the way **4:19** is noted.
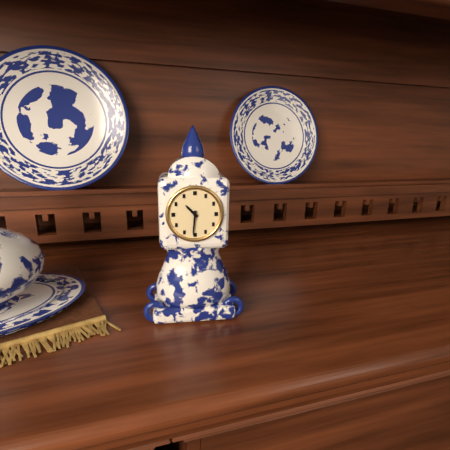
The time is **10:31**
